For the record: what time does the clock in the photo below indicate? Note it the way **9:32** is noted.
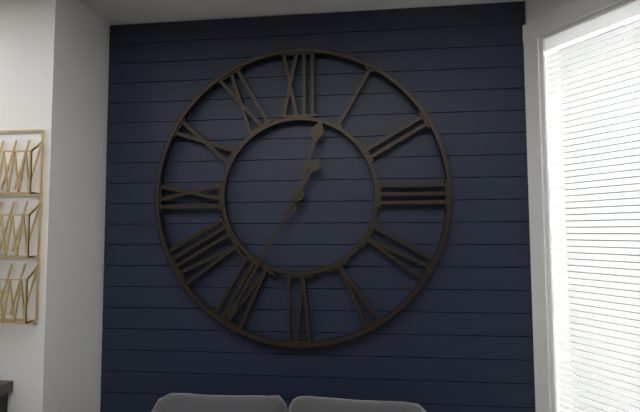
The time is **12:35**
